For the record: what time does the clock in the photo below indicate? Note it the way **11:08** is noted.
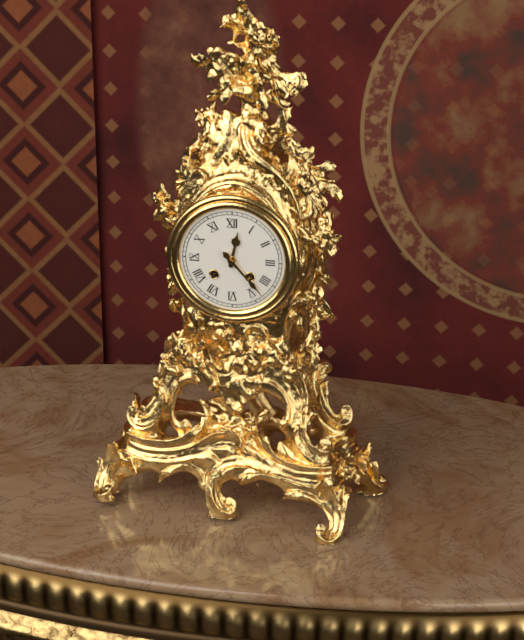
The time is **12:23**
